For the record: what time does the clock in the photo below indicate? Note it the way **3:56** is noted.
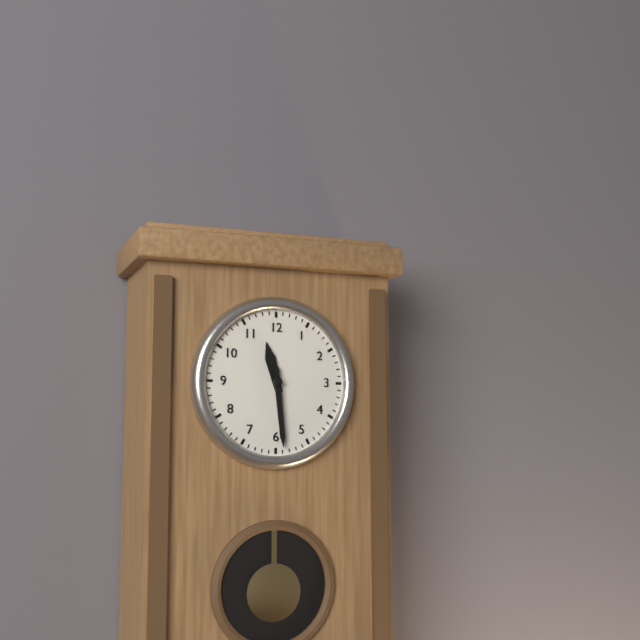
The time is **11:29**
